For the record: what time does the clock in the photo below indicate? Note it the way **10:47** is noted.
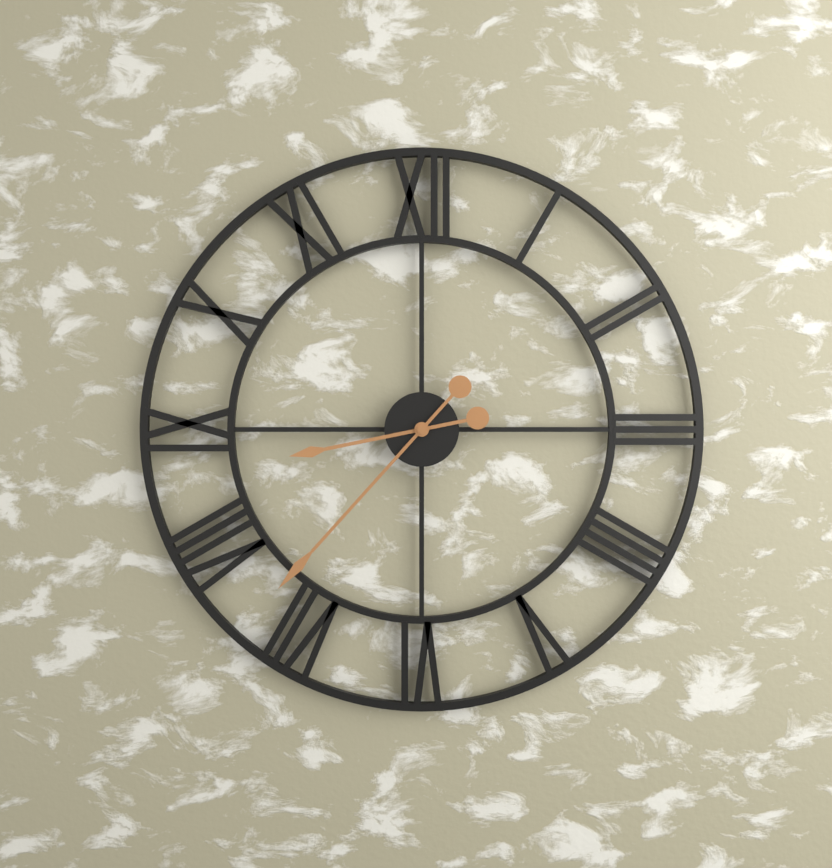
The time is **8:37**
